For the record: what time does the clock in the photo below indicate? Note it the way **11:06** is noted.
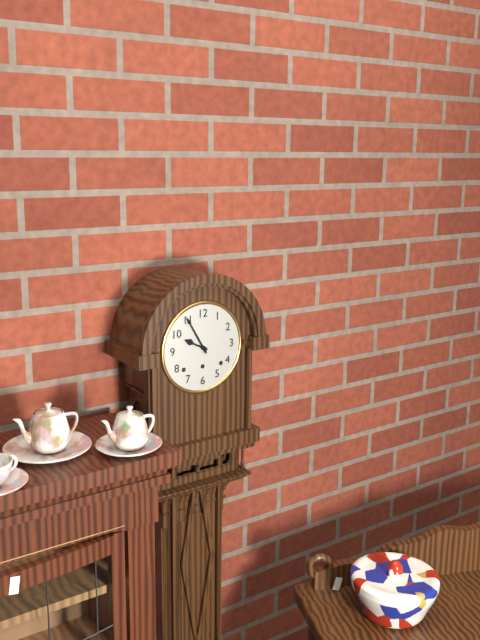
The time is **9:55**
